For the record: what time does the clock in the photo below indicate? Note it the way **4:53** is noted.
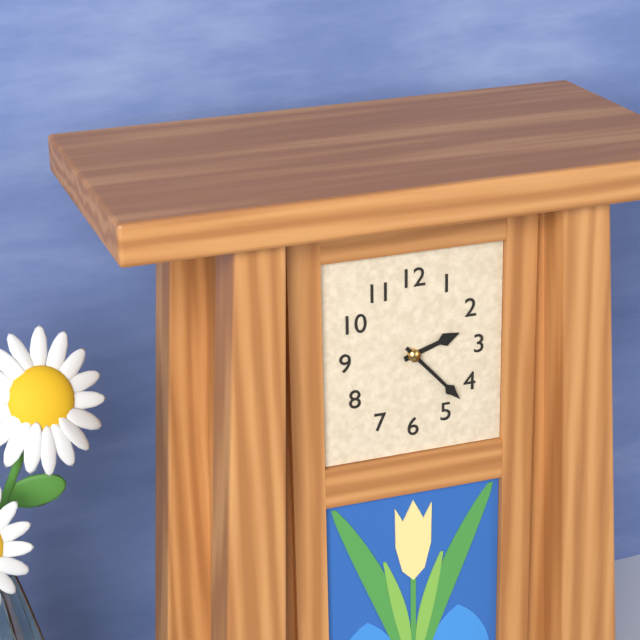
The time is **2:23**
